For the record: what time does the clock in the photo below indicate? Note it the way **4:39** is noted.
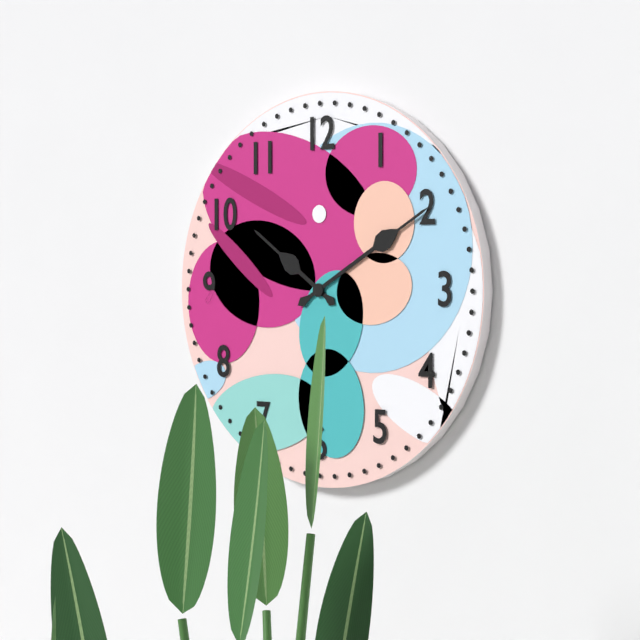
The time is **10:10**
